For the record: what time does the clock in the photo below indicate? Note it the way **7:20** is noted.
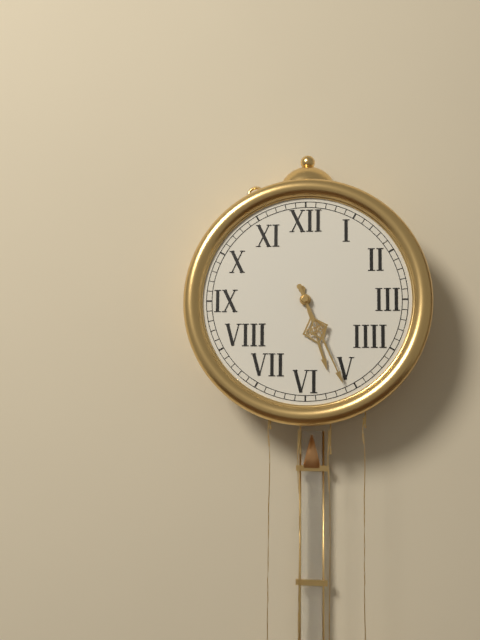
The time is **5:26**
